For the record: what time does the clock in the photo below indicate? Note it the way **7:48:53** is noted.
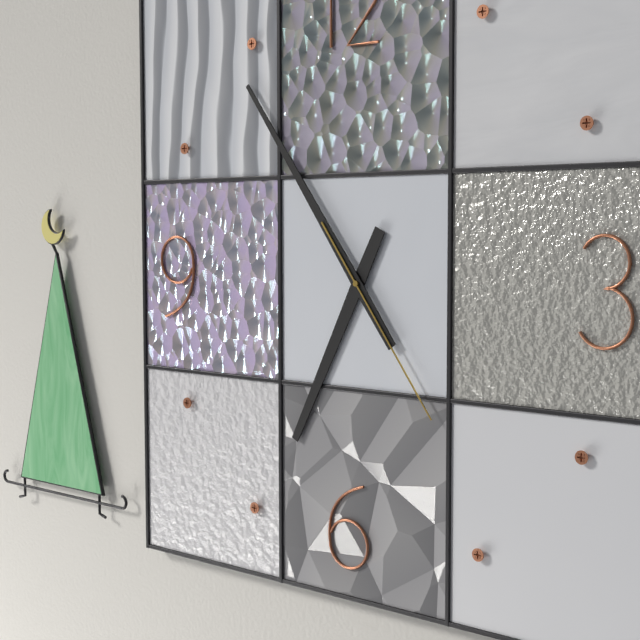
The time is **6:54:24**
